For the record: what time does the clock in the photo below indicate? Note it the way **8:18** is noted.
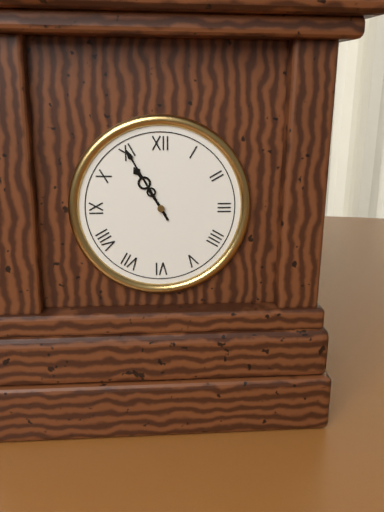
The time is **10:55**
